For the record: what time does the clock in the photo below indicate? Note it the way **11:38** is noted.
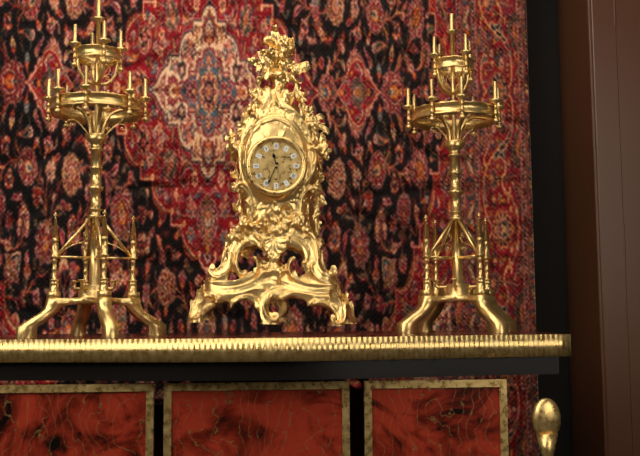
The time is **11:34**
